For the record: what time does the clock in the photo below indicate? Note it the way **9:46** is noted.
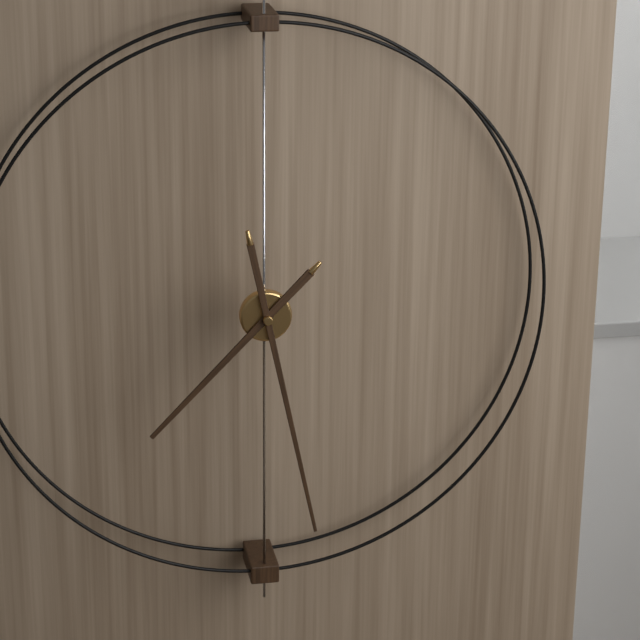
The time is **7:28**
